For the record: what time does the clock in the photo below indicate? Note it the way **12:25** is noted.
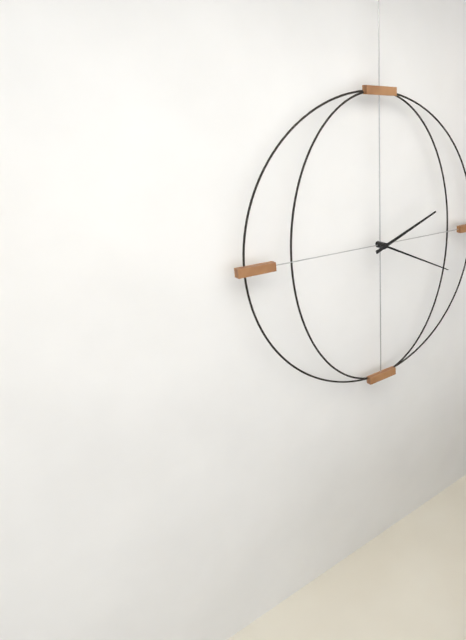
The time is **2:19**
